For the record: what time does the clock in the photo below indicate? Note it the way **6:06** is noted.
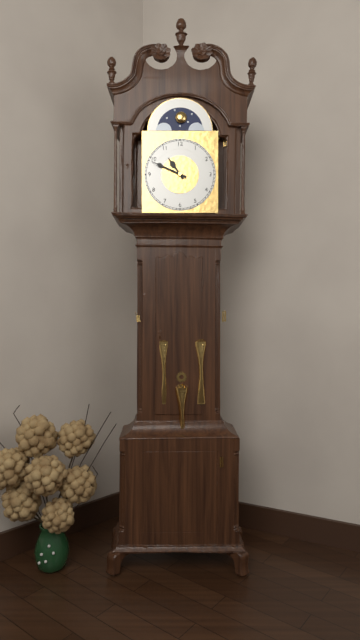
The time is **10:49**
